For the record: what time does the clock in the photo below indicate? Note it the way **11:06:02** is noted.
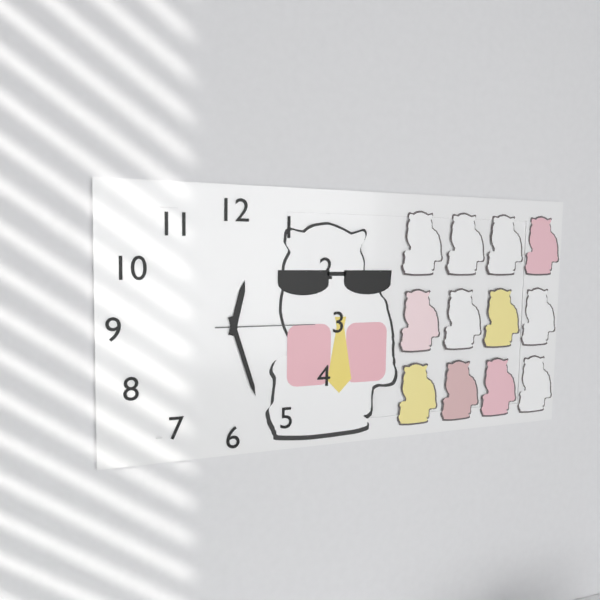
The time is **12:27:15**
